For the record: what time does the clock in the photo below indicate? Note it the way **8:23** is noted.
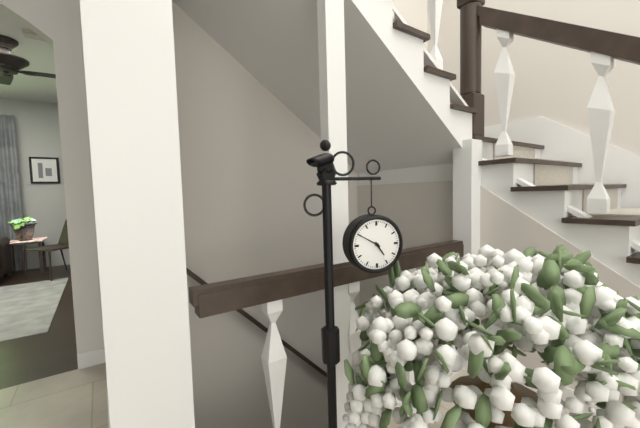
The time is **4:50**
